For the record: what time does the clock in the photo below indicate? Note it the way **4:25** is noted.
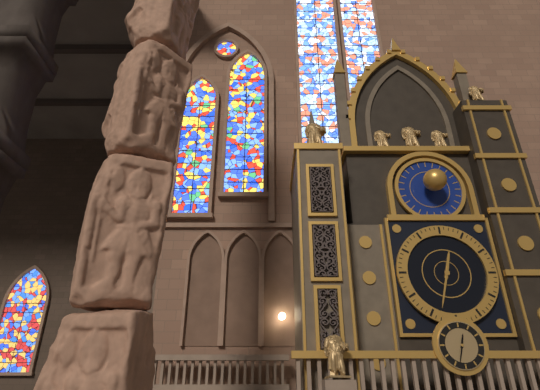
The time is **12:33**
